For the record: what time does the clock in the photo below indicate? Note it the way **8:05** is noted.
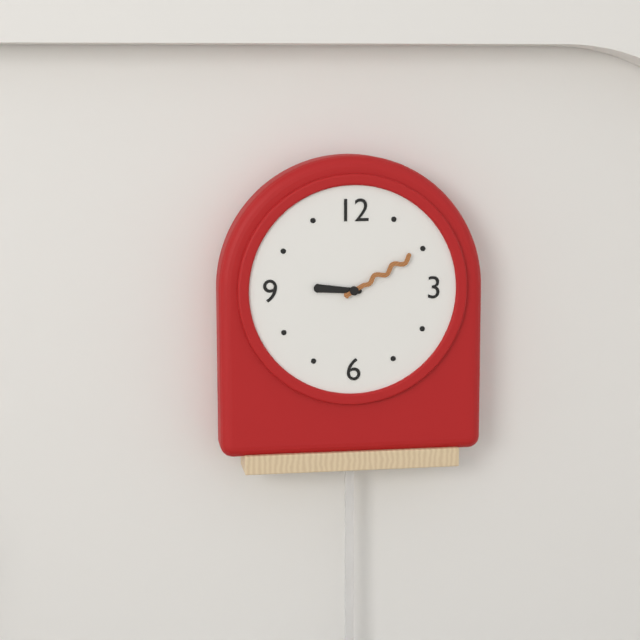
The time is **9:10**
